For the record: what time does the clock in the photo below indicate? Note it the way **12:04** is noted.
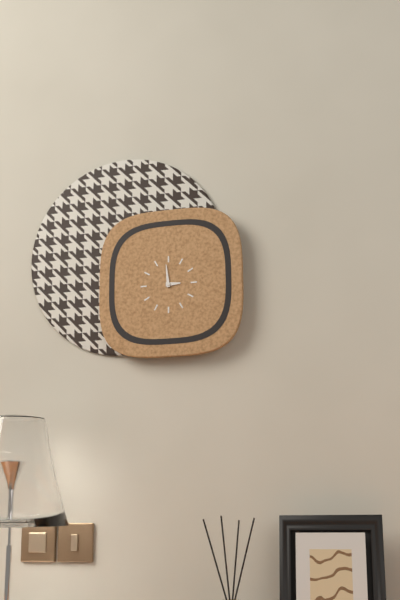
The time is **2:59**
